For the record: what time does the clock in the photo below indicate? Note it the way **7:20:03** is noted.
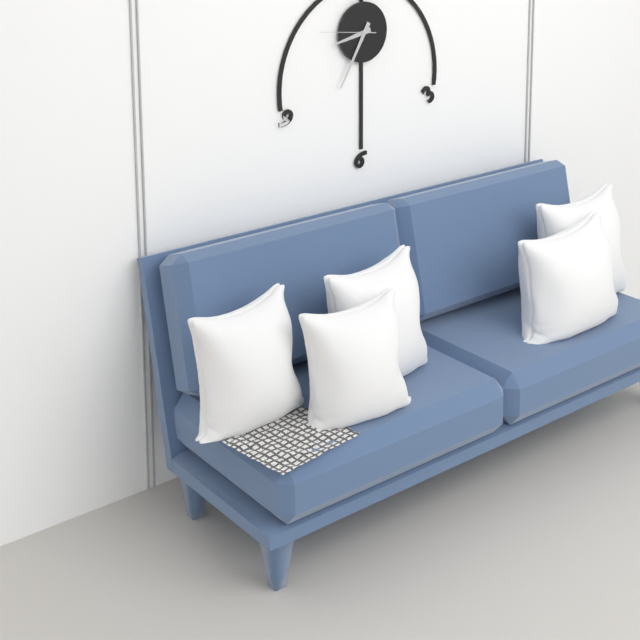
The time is **8:35:46**
